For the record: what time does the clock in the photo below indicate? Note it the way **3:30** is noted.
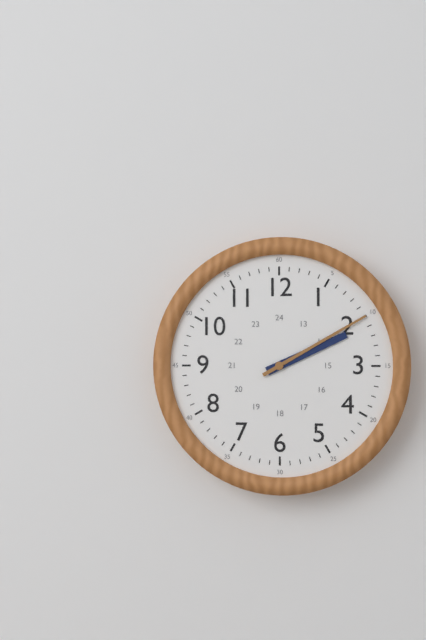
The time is **2:10**
